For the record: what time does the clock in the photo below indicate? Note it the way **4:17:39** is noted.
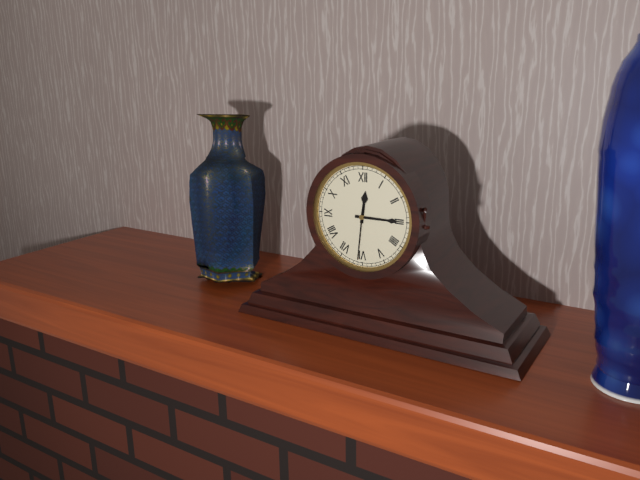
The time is **12:15:31**
